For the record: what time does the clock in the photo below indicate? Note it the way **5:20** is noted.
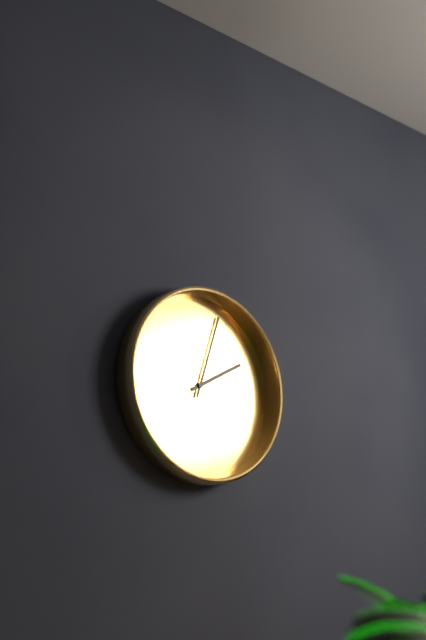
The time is **2:03**
